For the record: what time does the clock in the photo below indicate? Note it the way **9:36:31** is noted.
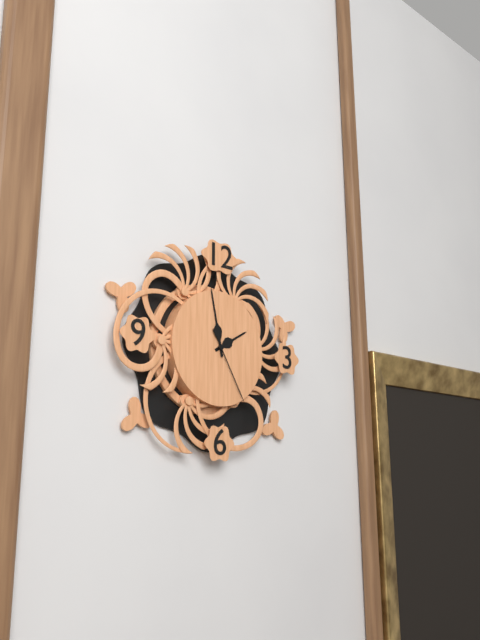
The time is **1:58:25**
